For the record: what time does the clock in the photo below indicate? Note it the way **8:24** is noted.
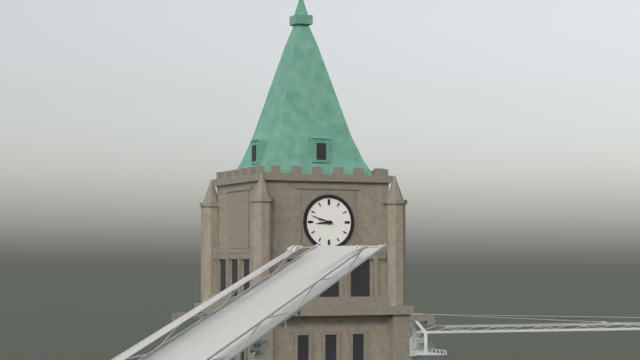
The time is **8:48**
